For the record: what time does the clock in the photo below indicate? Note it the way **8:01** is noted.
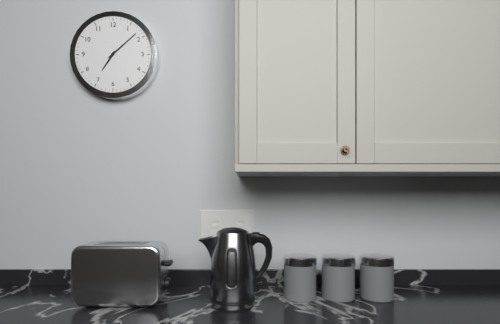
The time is **7:08**
